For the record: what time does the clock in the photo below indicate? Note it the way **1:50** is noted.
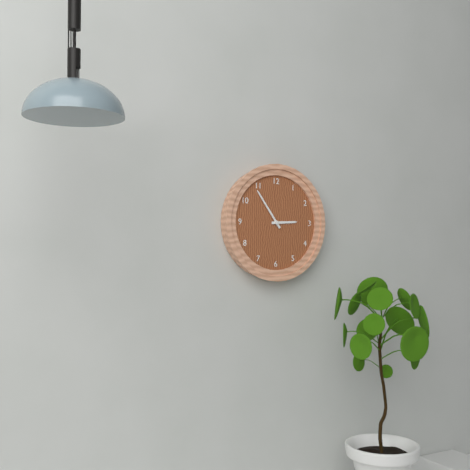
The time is **2:54**
